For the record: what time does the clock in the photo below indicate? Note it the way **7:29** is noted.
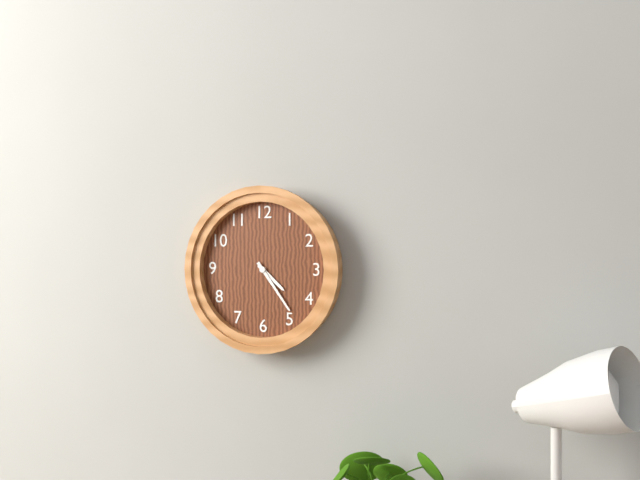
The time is **4:24**
